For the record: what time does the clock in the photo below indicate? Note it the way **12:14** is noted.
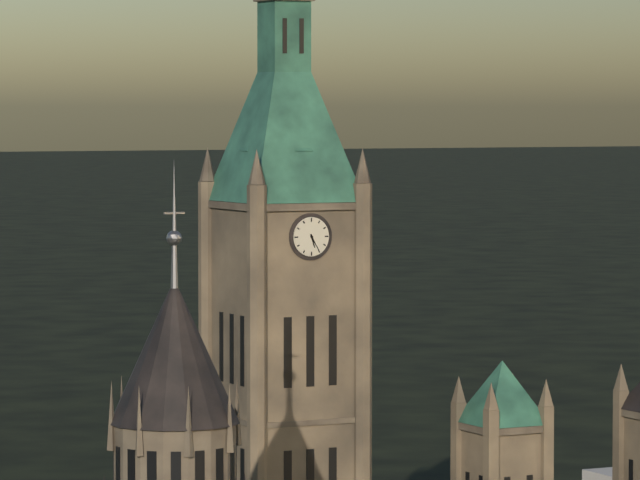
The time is **5:25**
